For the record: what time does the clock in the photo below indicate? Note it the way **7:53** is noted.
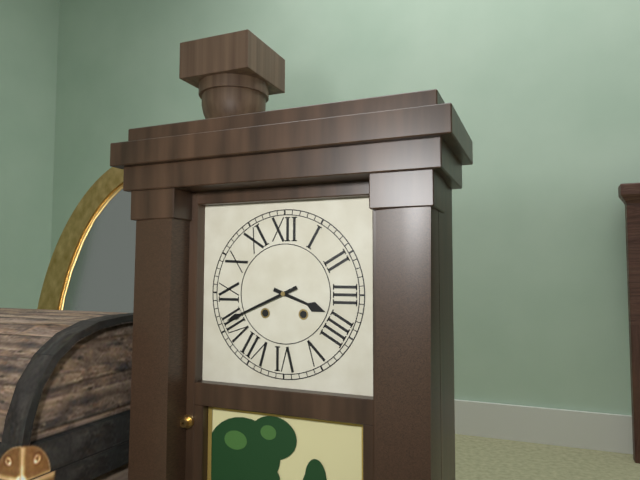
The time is **3:41**
